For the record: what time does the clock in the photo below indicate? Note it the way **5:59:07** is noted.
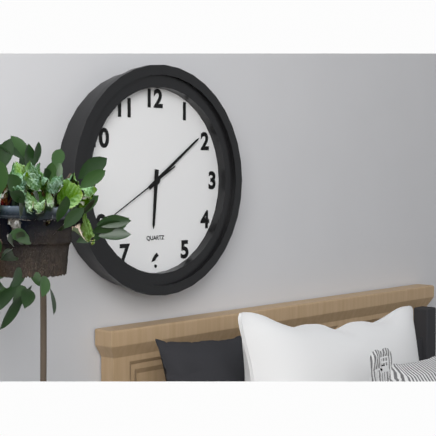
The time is **6:09:40**
